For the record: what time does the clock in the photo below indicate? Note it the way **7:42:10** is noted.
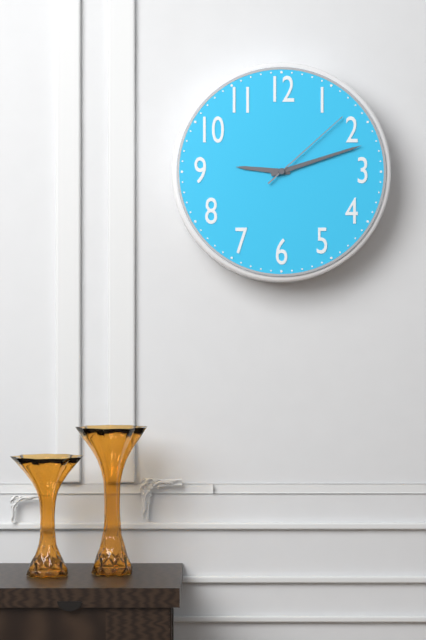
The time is **9:12:08**
